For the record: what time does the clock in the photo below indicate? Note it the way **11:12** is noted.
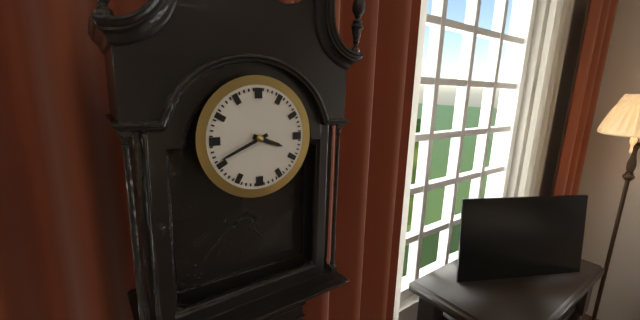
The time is **3:41**
